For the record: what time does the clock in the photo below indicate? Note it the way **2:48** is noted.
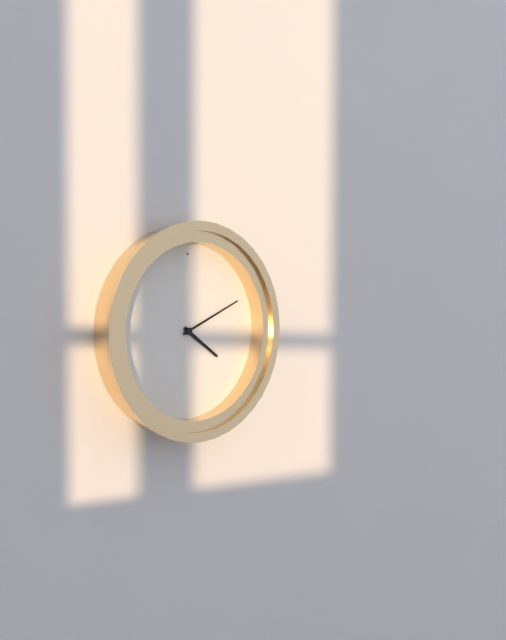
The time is **4:11**
